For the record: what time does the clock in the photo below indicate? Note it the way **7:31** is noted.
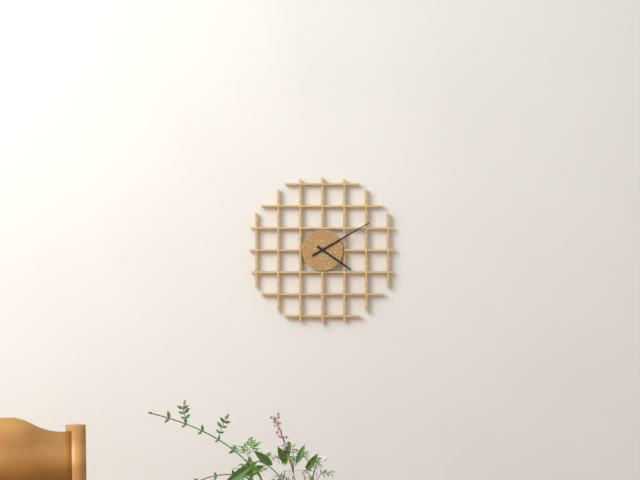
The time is **4:10**
